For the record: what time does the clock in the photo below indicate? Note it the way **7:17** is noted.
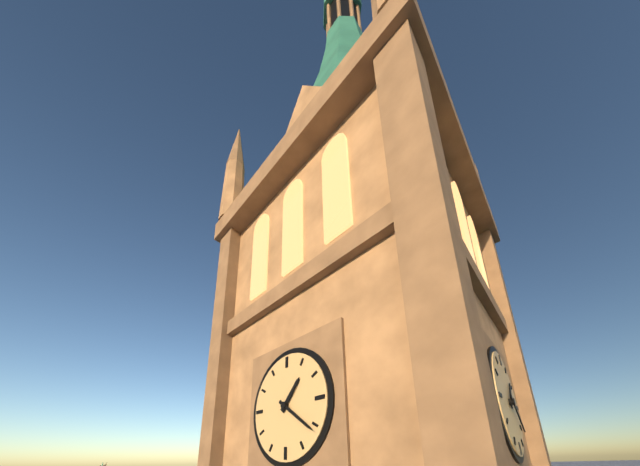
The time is **1:21**
